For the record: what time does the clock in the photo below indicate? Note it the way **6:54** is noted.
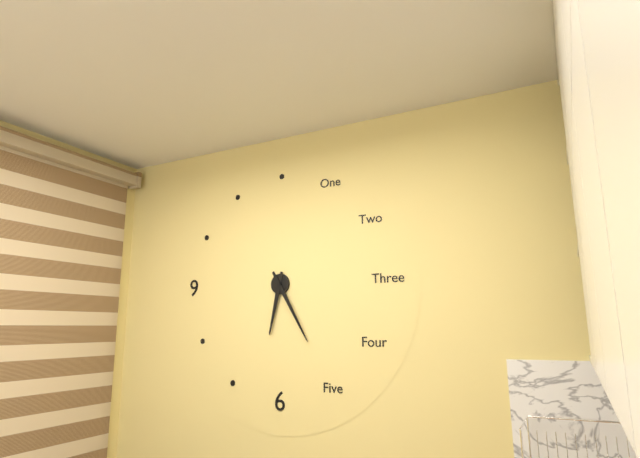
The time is **6:25**
